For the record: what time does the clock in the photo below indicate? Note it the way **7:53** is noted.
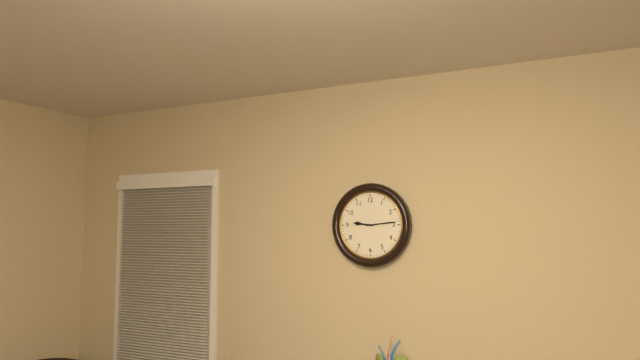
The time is **9:14**
